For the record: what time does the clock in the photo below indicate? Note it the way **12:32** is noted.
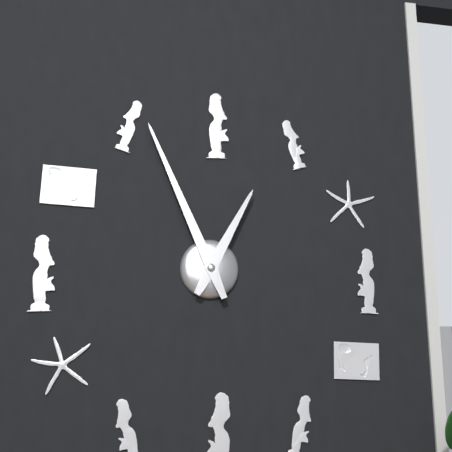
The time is **12:56**
